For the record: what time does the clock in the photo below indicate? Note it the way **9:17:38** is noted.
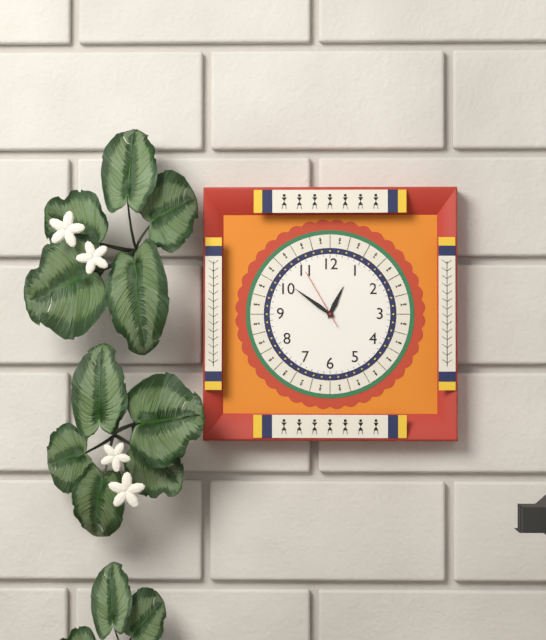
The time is **12:51:55**
